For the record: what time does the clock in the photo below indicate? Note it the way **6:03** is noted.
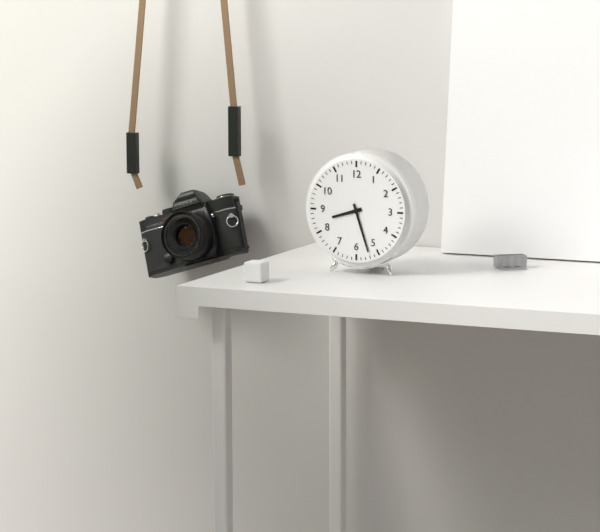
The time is **8:27**
